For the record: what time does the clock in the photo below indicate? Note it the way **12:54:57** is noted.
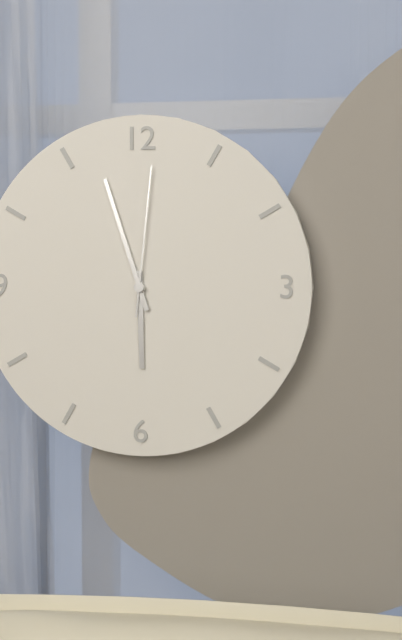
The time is **5:57:01**
